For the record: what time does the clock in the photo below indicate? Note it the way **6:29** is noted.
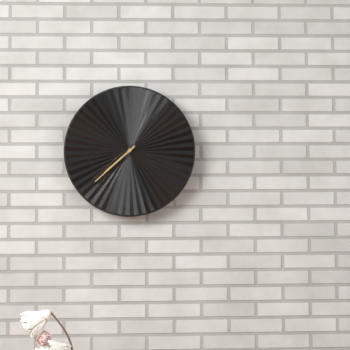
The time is **7:38**
